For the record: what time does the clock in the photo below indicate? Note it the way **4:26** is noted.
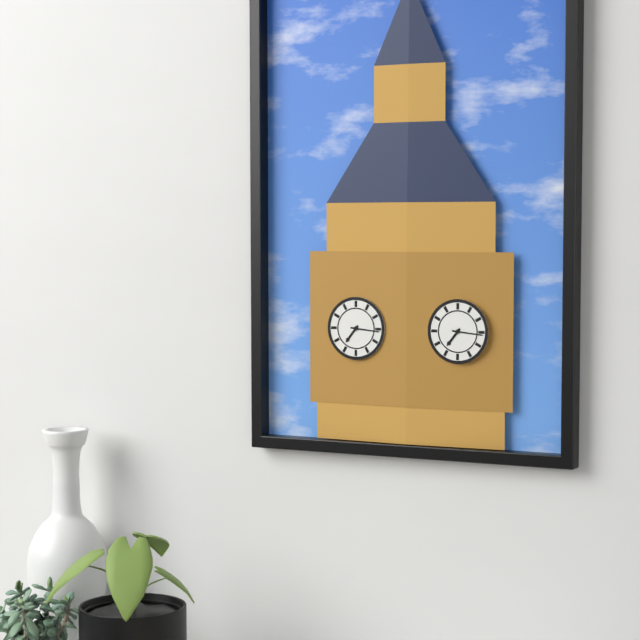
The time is **7:16**
